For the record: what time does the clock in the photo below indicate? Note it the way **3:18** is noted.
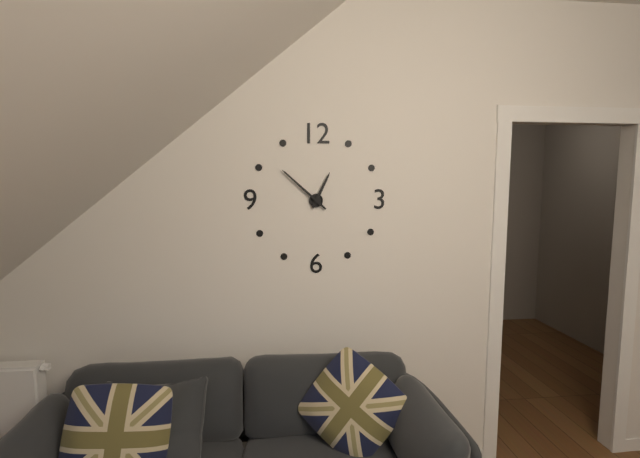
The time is **12:52**
